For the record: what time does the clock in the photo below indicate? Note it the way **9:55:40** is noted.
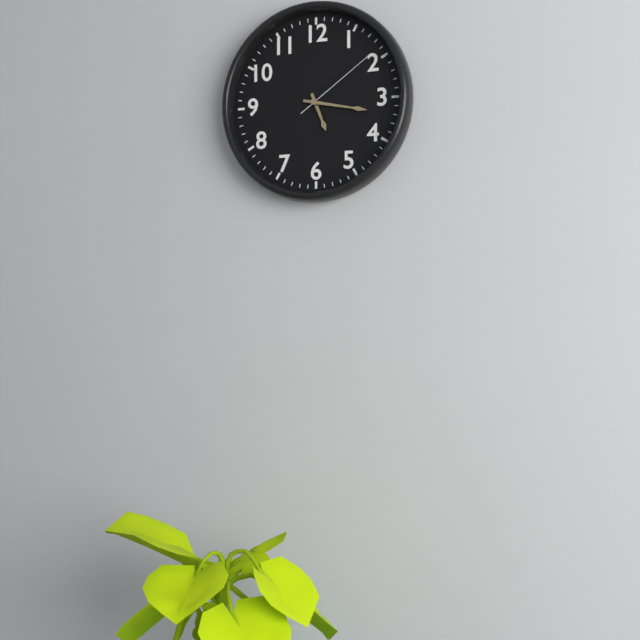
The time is **5:17:09**
